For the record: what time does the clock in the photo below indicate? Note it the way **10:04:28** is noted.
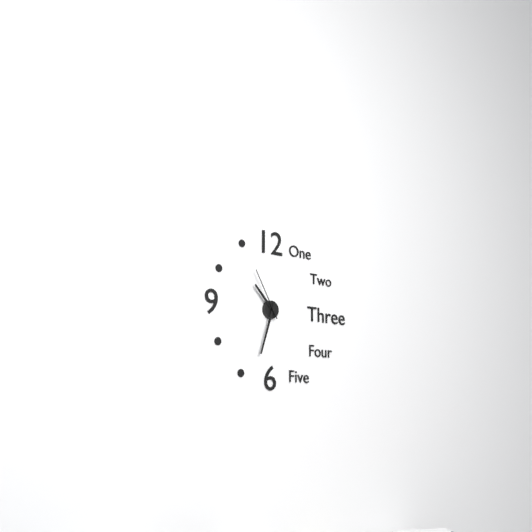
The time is **10:33:55**
